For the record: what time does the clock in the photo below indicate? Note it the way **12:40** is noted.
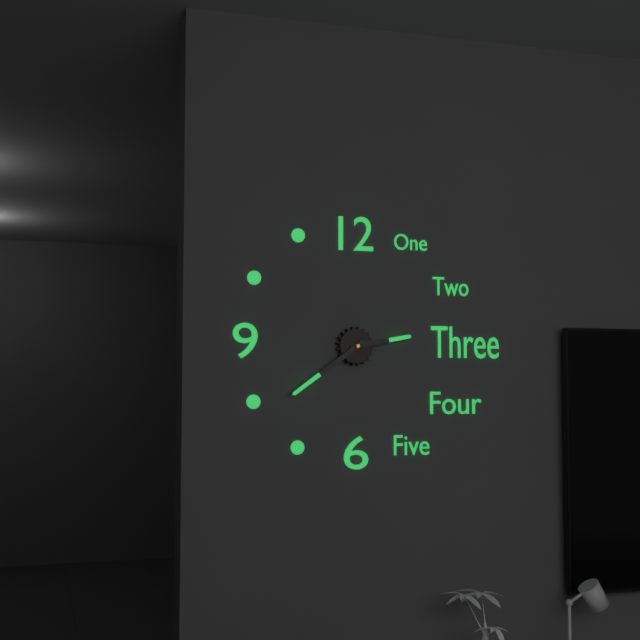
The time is **2:39**
